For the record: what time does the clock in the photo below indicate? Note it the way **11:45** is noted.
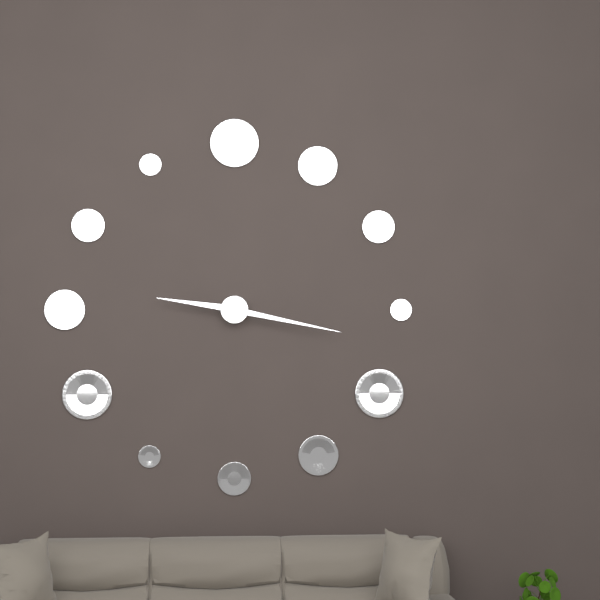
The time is **9:17**
